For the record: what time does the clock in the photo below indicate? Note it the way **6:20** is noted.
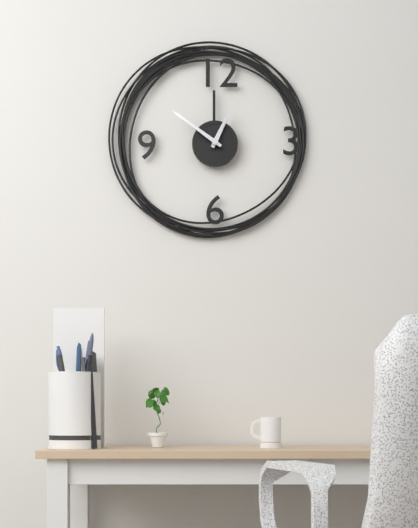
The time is **12:51**
